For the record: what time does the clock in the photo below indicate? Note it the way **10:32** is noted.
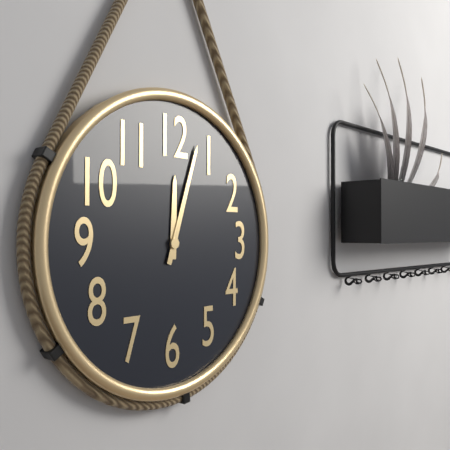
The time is **12:03**
